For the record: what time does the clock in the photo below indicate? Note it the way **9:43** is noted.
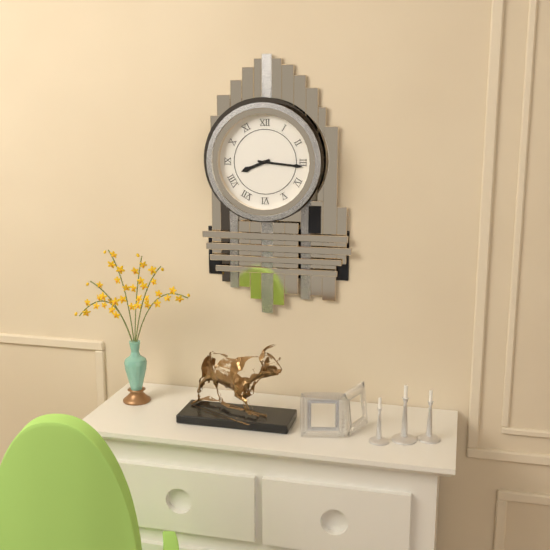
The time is **8:16**
